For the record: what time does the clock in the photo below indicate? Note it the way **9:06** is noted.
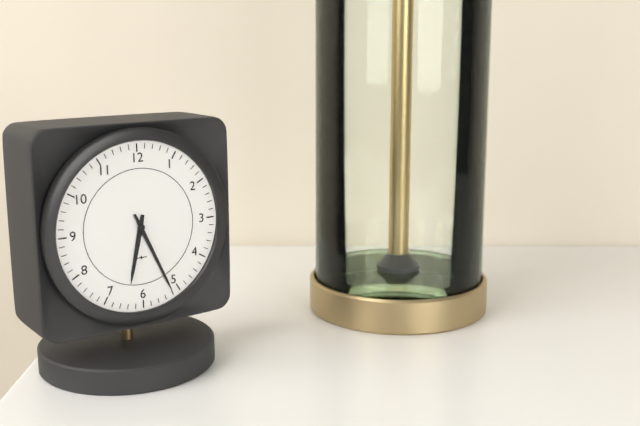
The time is **6:26**
